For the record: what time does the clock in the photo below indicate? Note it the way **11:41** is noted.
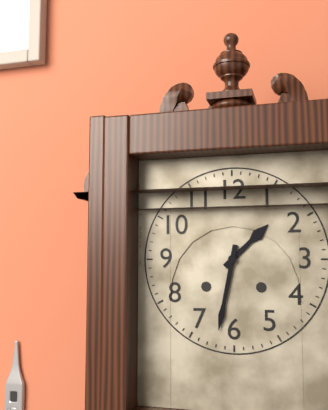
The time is **1:32**
